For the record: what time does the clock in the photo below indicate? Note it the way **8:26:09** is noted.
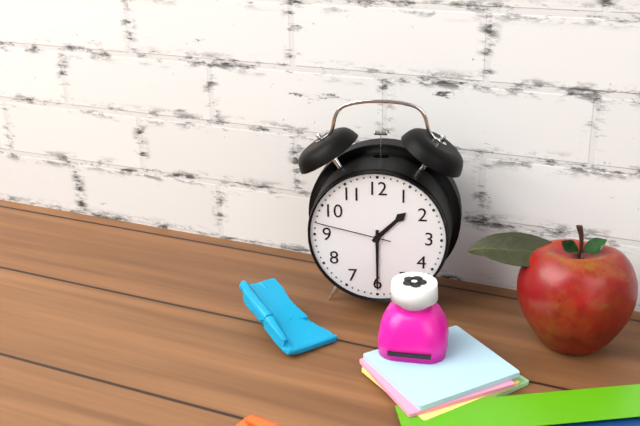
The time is **1:30:47**
